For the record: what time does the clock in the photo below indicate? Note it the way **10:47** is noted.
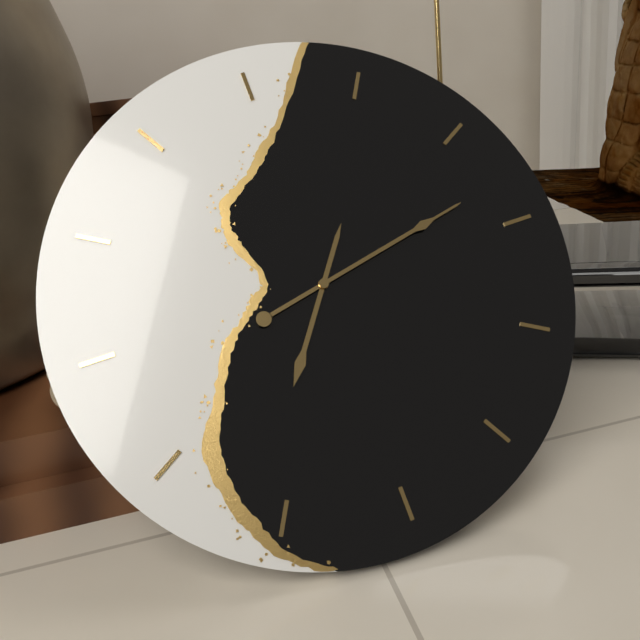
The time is **7:13**
